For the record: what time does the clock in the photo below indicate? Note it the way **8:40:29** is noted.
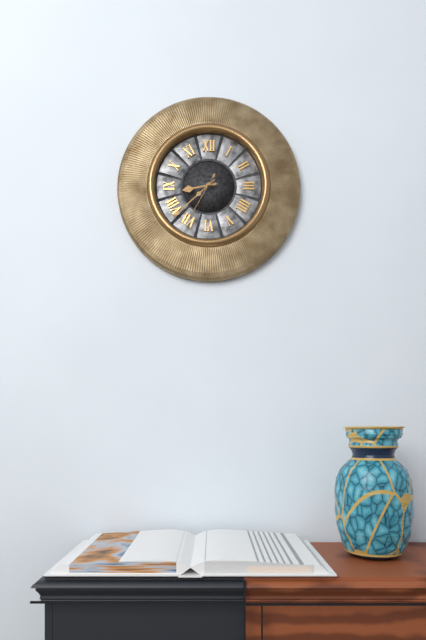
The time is **8:38:35**
